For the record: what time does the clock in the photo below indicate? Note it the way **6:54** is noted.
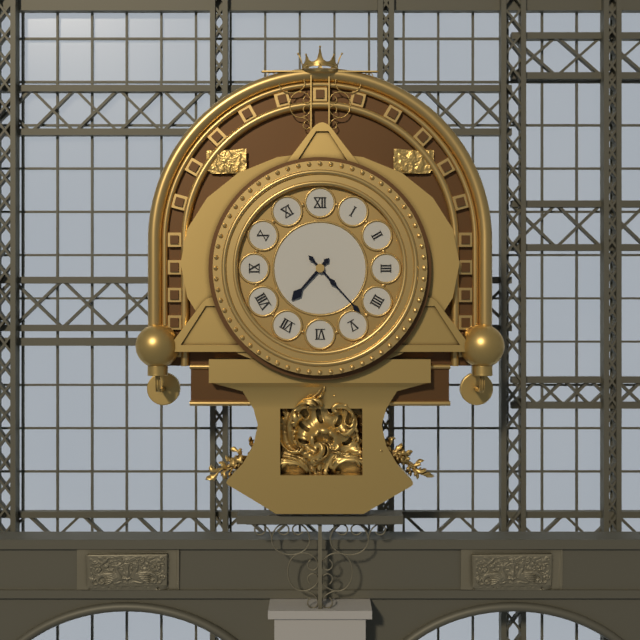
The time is **7:23**
